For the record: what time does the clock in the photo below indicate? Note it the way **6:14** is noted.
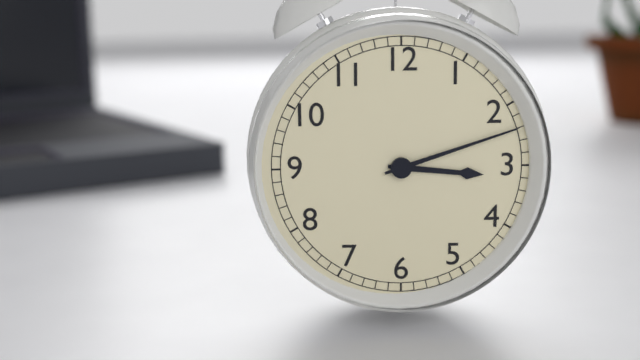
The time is **3:12**
